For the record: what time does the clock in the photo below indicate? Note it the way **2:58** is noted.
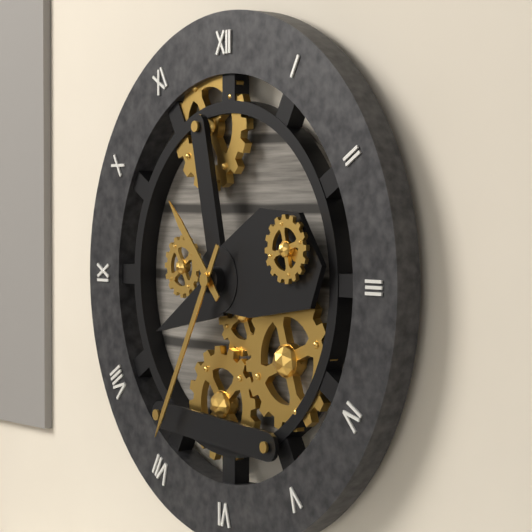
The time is **10:35**
